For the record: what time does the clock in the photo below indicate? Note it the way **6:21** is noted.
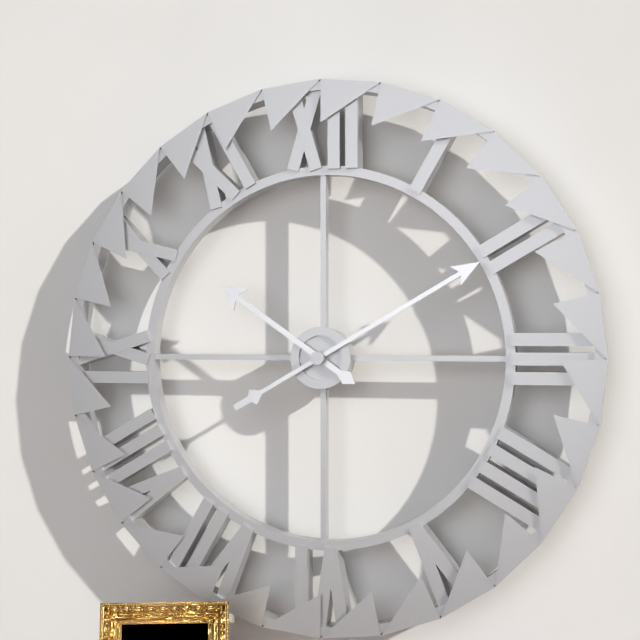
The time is **10:10**
